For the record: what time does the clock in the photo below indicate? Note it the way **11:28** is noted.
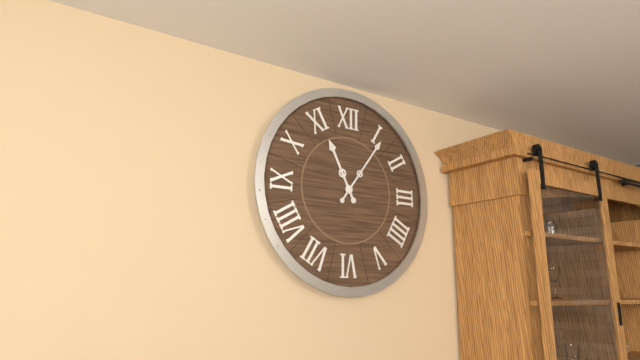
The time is **11:06**
